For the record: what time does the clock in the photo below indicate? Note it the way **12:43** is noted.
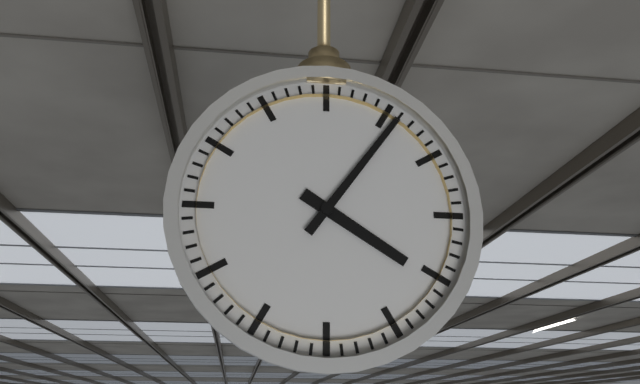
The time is **4:06**
